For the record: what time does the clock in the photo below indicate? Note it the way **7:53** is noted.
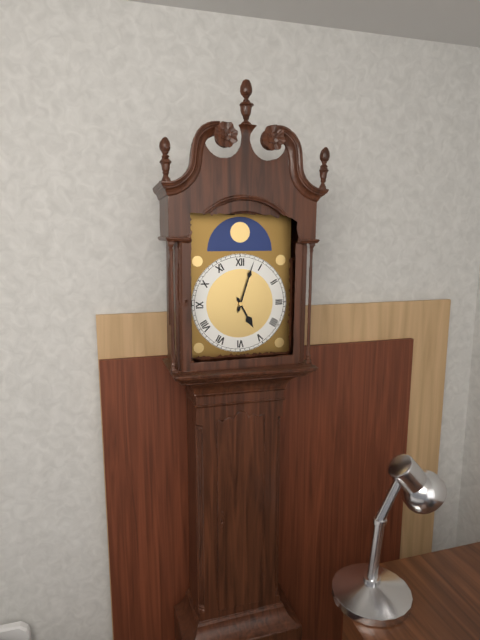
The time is **5:03**
